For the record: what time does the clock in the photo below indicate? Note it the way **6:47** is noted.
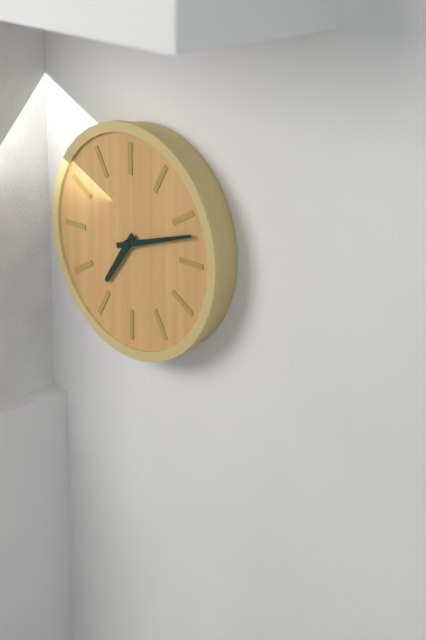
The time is **7:12**
